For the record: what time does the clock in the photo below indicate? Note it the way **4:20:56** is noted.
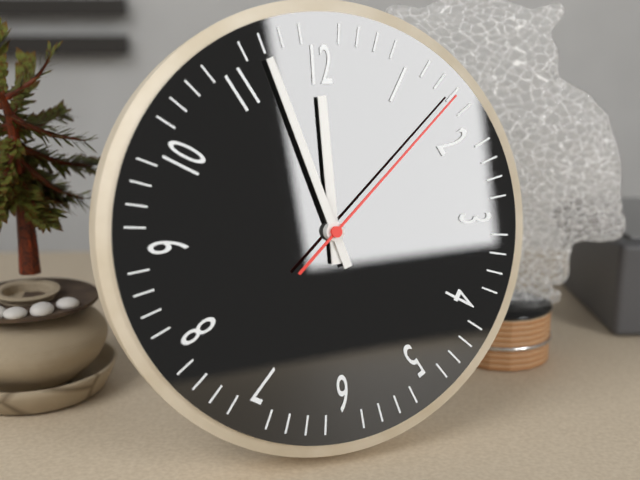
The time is **11:57:08**
